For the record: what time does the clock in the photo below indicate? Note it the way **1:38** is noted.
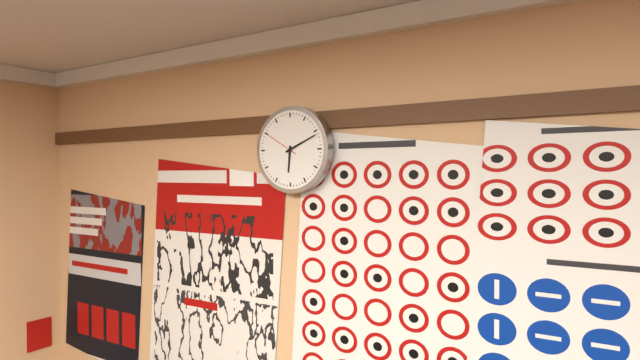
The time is **6:11**
